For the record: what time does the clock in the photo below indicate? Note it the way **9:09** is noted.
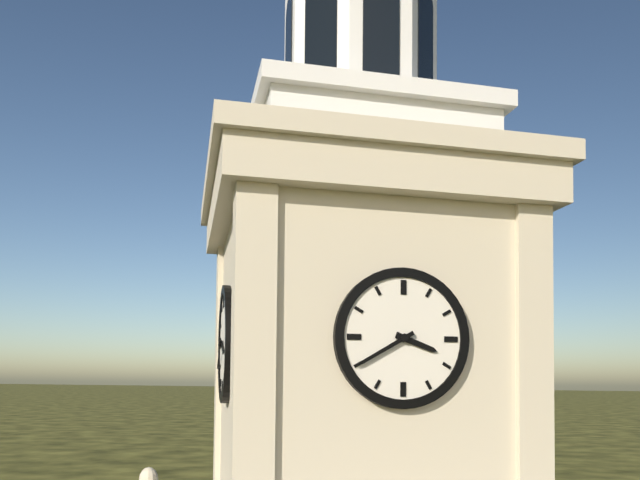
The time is **3:40**
